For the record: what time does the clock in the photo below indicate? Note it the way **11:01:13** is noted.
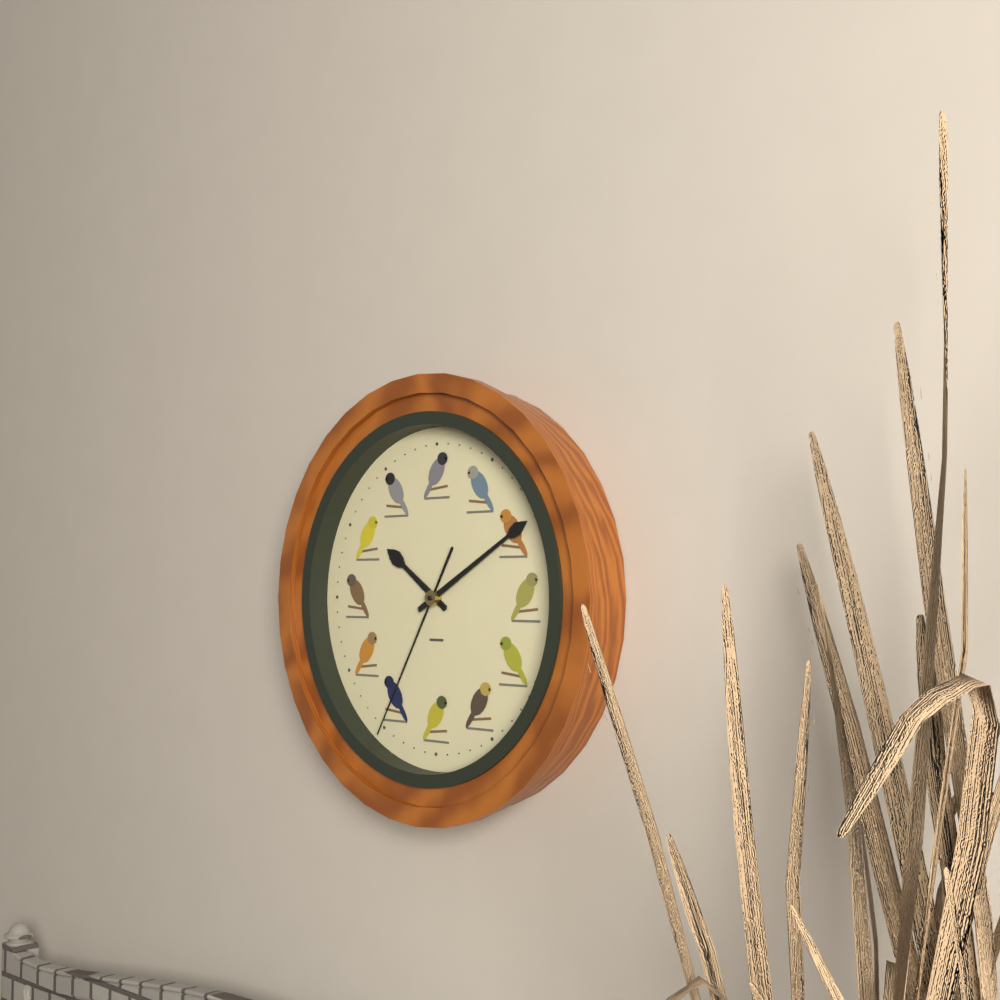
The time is **10:10:35**
